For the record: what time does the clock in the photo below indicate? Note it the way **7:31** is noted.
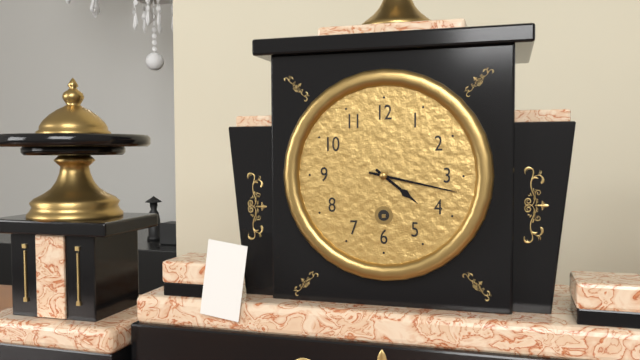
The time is **4:17**
